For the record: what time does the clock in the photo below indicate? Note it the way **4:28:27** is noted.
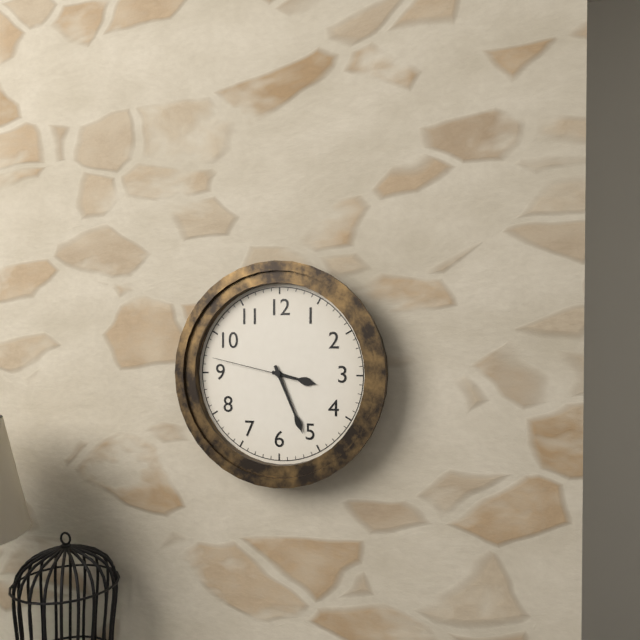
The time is **3:26:47**
